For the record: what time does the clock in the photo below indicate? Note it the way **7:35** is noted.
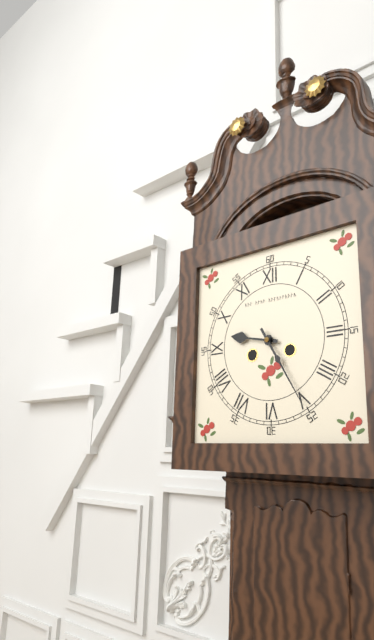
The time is **9:25**
